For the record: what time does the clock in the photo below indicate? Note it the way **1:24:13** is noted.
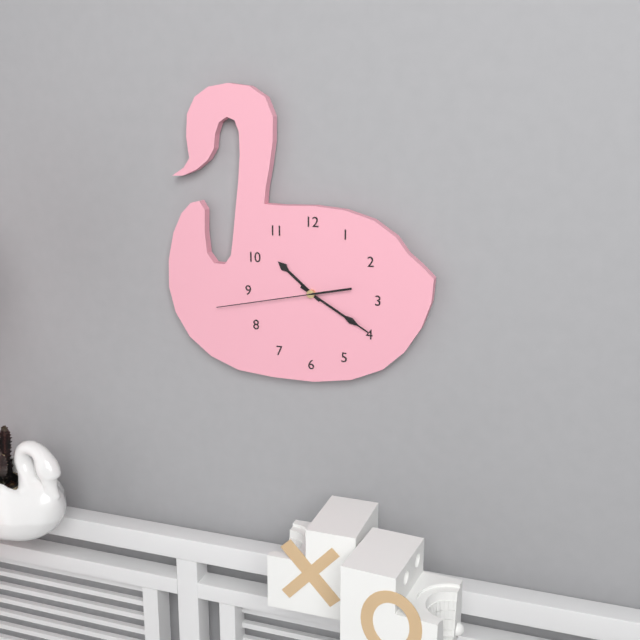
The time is **10:20:43**
